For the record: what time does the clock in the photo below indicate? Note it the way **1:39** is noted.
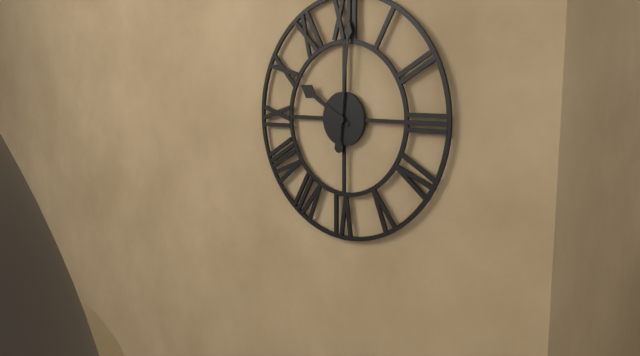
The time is **10:01**
